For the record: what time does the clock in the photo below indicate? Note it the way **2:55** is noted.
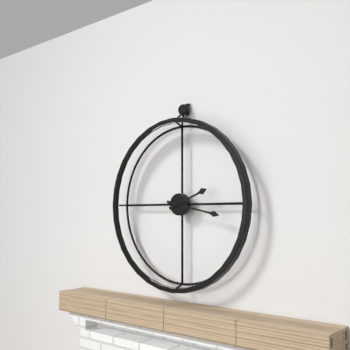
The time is **2:17**
